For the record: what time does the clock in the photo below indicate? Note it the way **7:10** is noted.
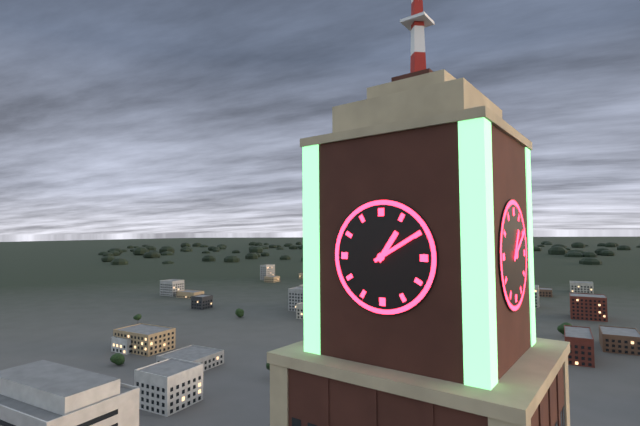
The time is **1:10**
